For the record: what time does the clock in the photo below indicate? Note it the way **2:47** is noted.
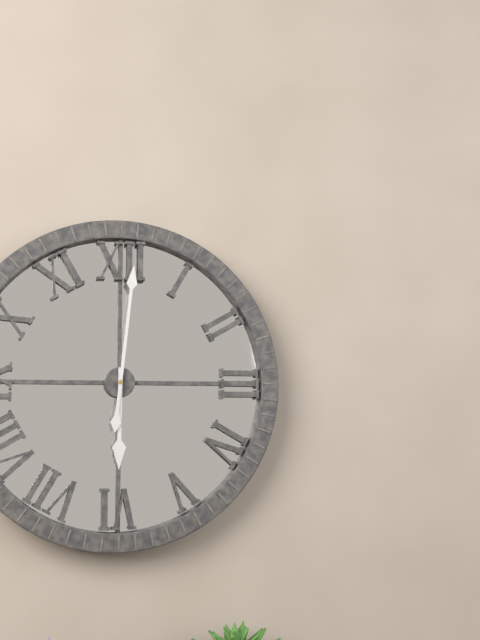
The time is **6:01**
